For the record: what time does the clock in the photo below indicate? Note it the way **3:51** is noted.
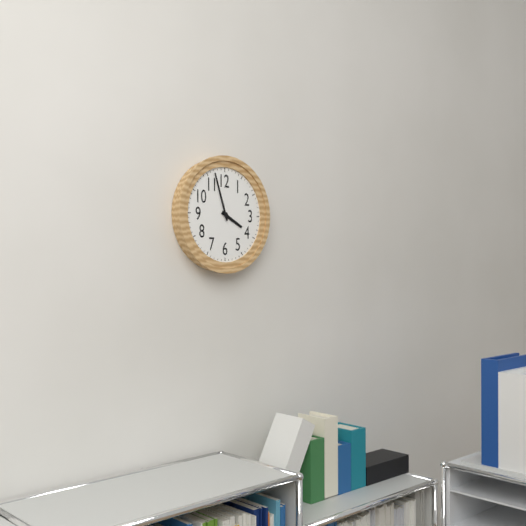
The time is **3:57**
